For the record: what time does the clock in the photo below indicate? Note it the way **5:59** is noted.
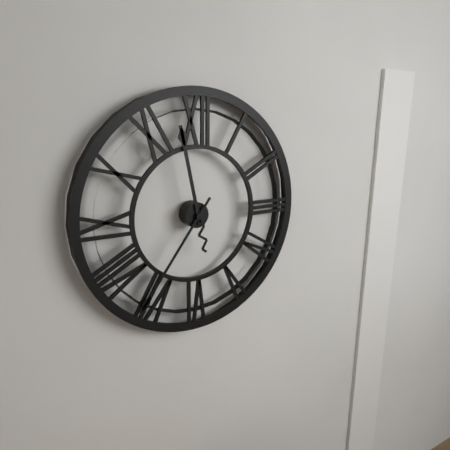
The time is **11:36**
